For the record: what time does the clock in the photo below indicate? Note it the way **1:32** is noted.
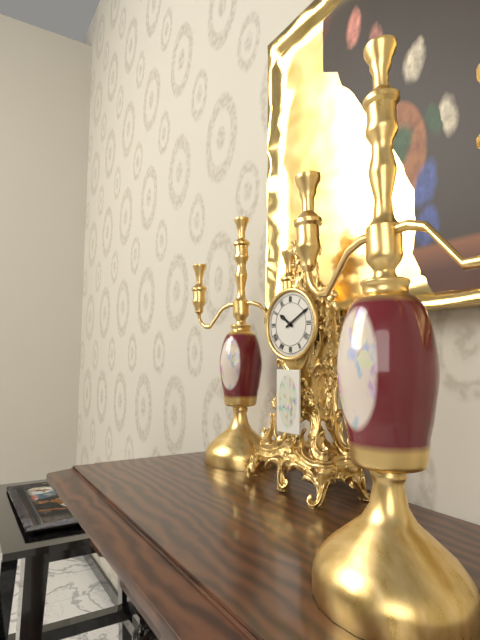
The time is **10:10**
